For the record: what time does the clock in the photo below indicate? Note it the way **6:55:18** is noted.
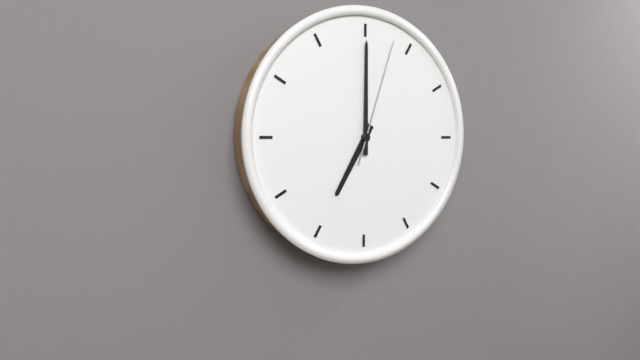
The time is **7:00:03**
